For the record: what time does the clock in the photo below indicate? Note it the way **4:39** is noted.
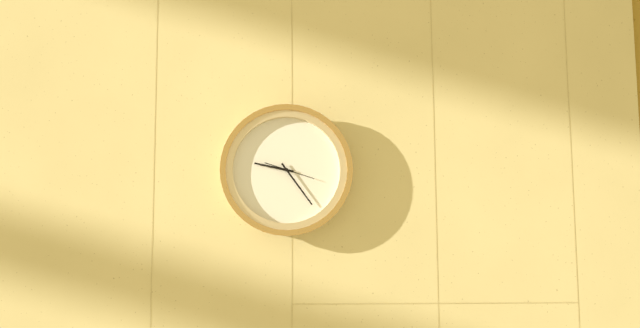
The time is **9:24**
